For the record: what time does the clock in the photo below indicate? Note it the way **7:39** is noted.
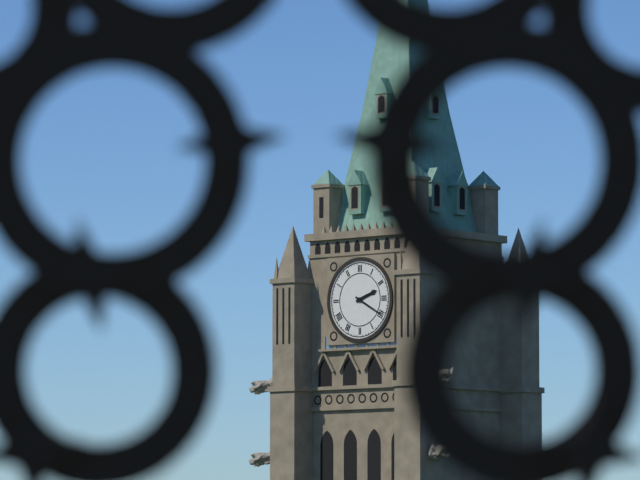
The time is **2:20**
